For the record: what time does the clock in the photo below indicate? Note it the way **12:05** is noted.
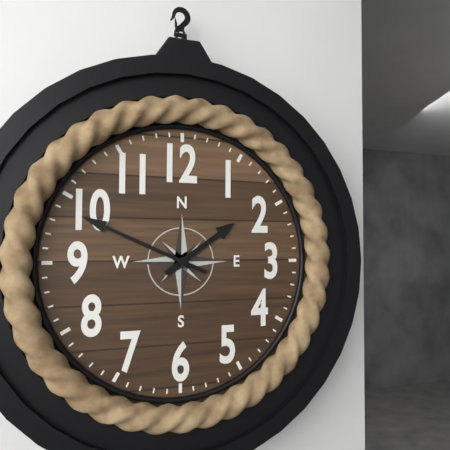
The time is **1:49**
